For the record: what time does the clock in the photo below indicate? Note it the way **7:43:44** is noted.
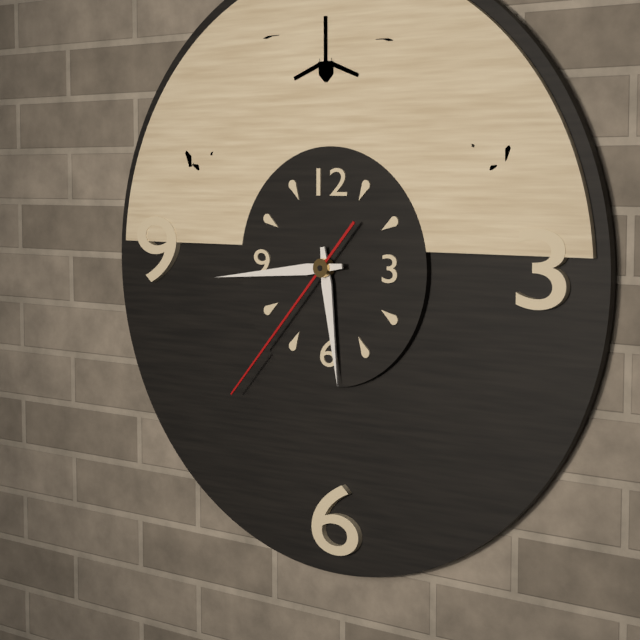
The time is **5:44:37**
